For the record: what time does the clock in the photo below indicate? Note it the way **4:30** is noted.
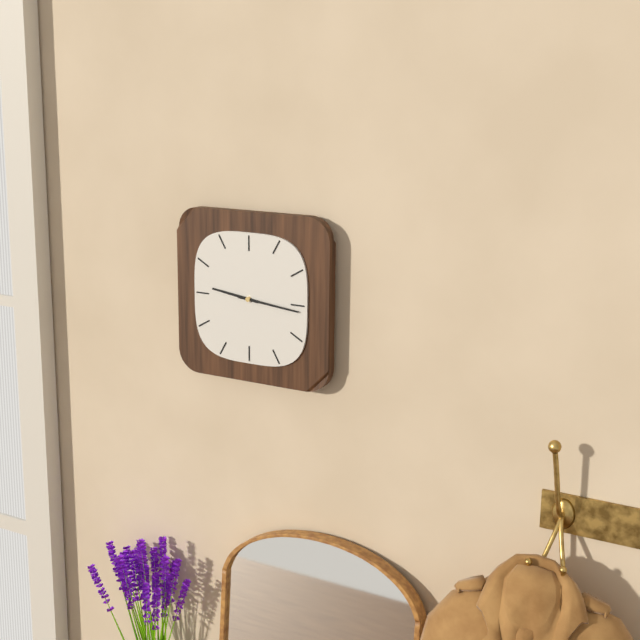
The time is **9:16**
